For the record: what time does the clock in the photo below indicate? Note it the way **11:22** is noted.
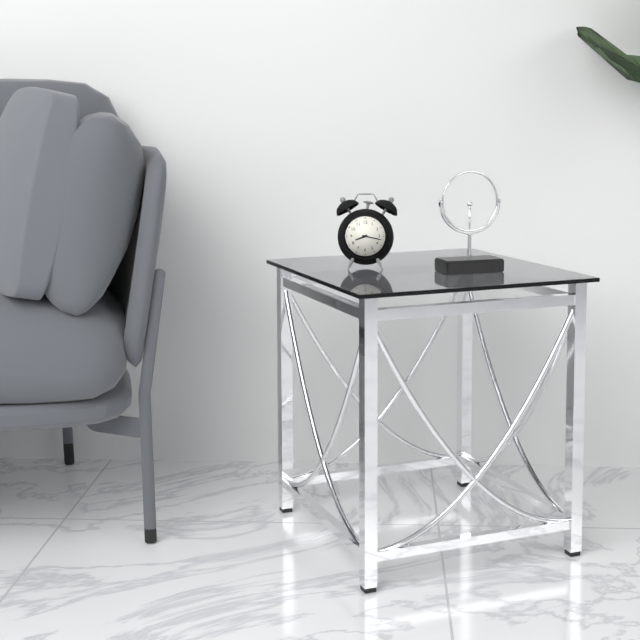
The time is **8:17**
